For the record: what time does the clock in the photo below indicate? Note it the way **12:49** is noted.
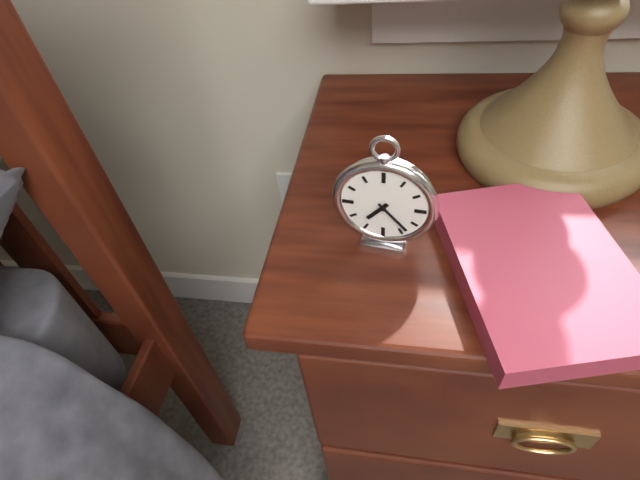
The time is **7:23**
